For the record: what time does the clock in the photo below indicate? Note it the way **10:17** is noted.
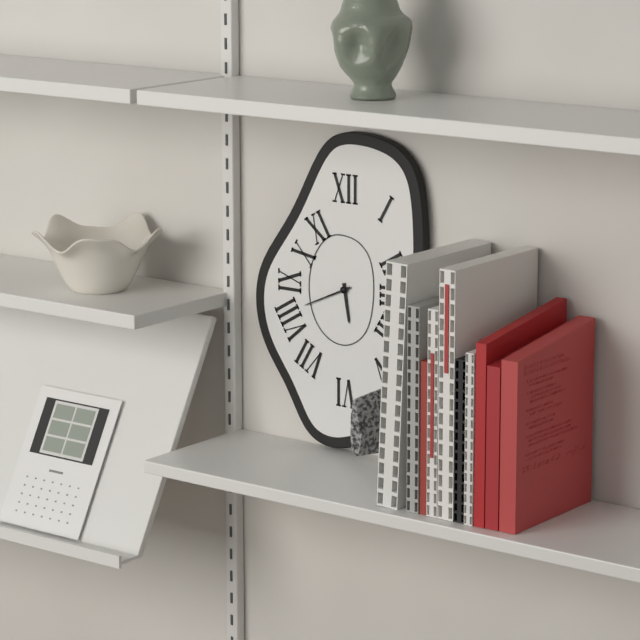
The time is **5:41**
